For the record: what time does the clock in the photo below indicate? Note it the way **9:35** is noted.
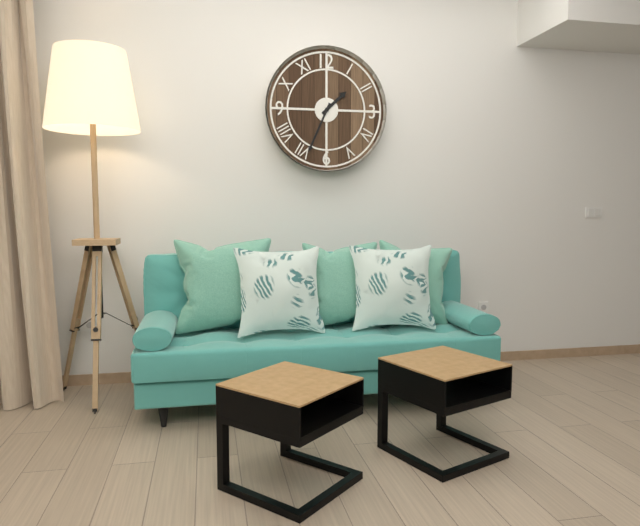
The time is **1:34**
